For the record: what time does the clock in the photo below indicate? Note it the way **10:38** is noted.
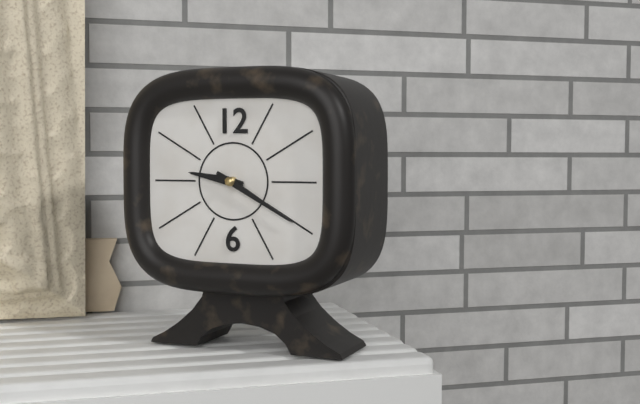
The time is **9:20**
